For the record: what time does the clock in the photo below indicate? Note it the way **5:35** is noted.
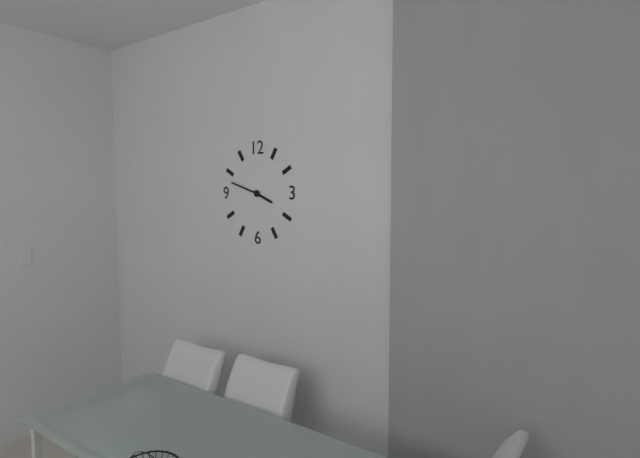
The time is **3:48**
